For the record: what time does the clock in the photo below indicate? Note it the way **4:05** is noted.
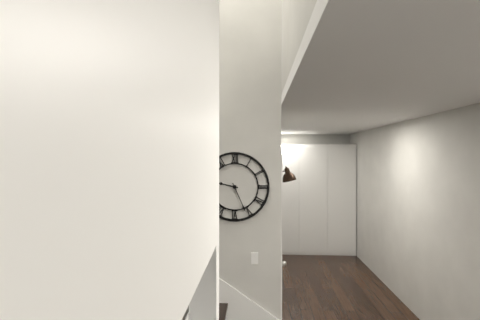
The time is **9:26**
